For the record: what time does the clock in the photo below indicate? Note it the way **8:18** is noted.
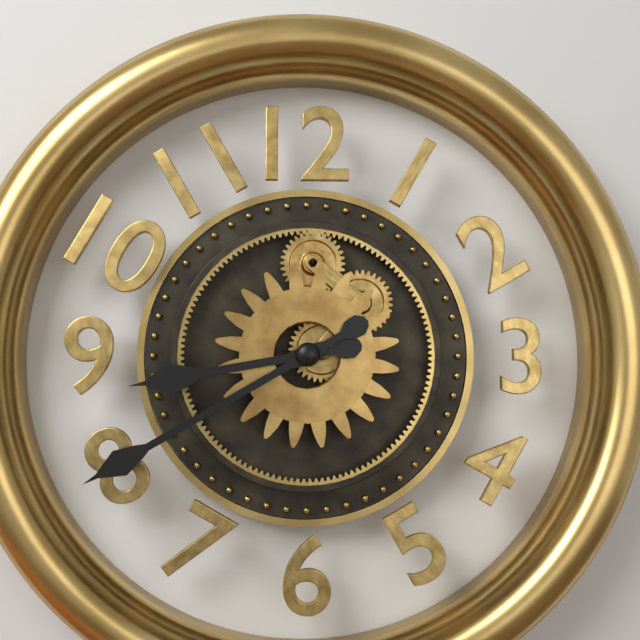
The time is **8:40**
